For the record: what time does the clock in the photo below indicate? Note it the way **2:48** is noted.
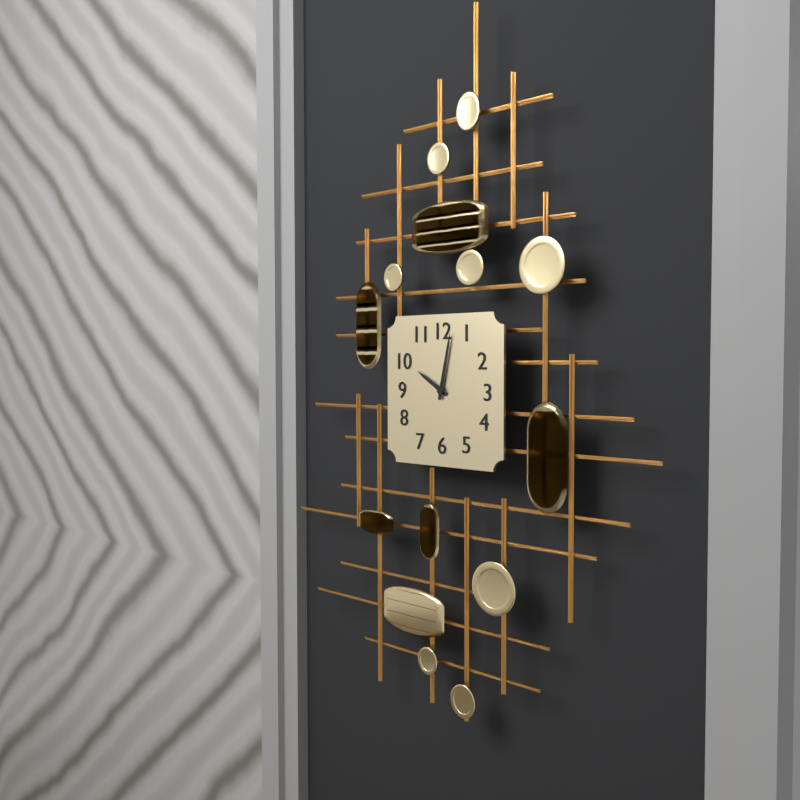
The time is **10:02**
